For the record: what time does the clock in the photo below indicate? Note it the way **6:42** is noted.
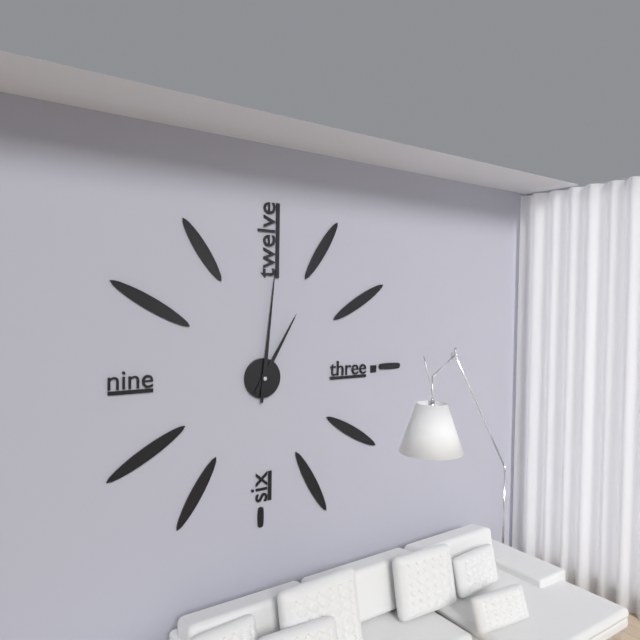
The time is **1:01**
